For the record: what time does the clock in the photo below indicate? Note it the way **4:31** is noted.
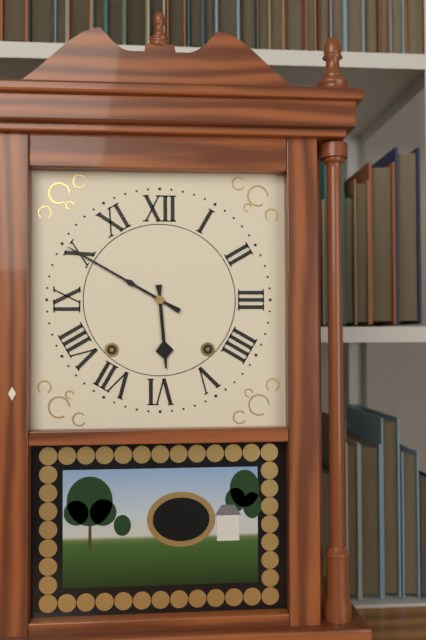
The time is **5:50**
